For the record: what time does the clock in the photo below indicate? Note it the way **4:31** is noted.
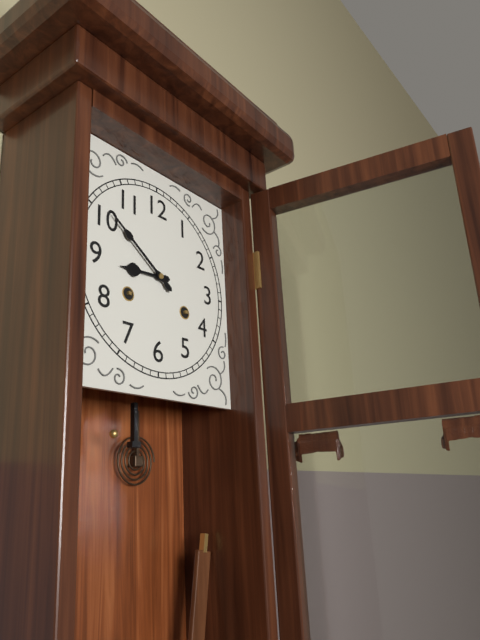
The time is **8:51**
